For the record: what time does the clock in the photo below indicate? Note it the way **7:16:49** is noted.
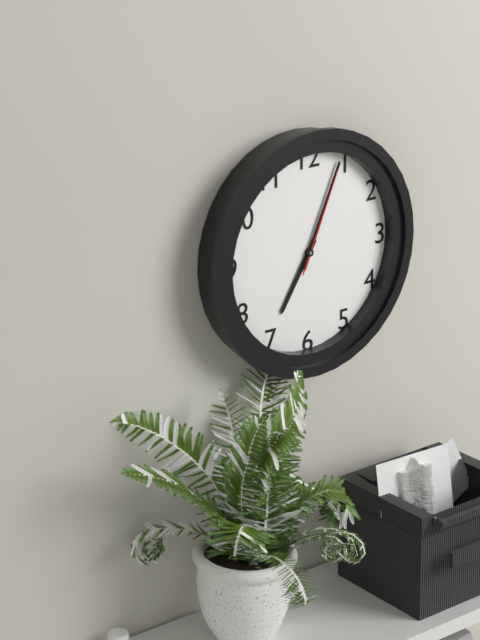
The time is **7:04:04**
